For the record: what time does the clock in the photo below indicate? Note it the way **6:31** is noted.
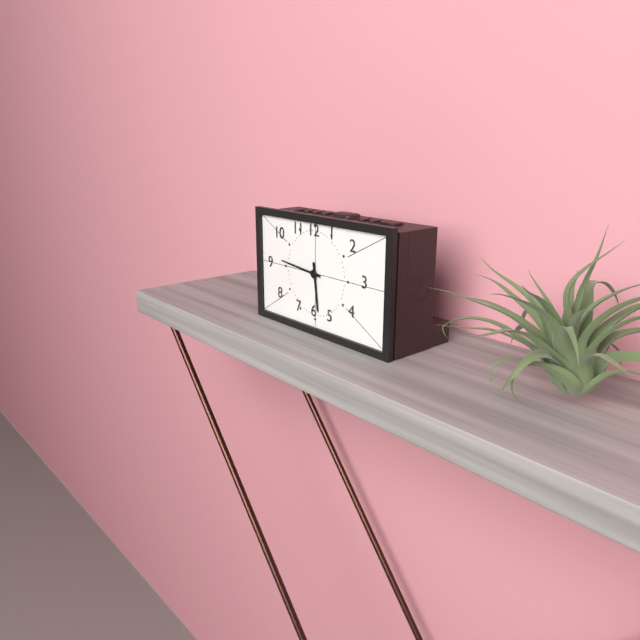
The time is **5:46**
